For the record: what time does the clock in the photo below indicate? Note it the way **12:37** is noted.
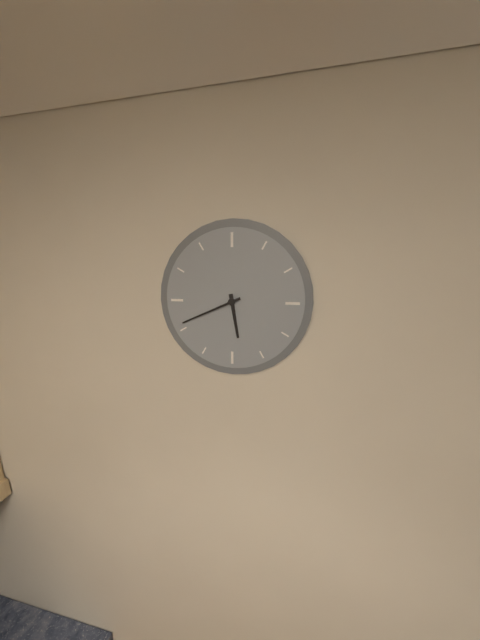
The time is **5:41**
